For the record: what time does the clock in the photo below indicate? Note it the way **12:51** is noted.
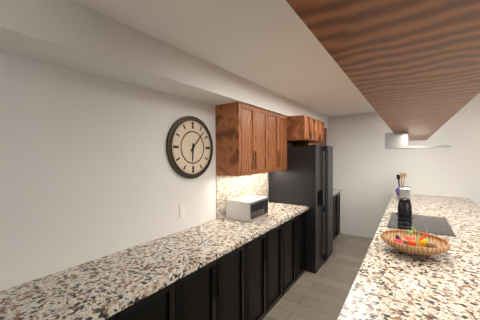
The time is **6:07**
